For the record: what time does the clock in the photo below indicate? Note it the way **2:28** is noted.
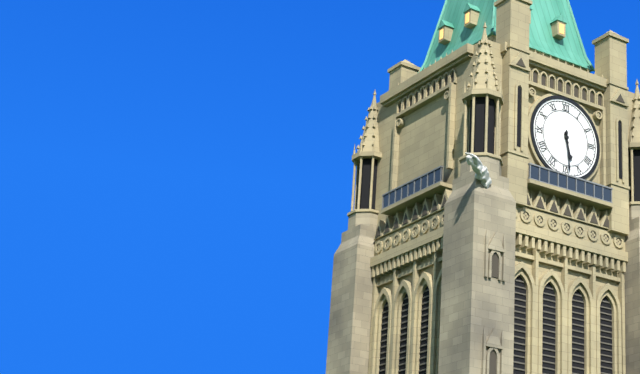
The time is **5:29**
